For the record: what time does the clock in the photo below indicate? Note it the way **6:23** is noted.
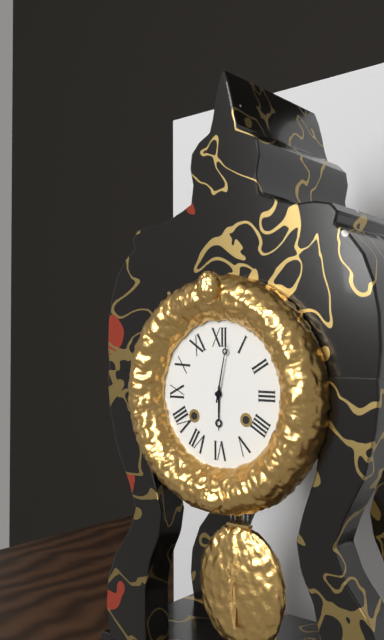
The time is **6:02**
